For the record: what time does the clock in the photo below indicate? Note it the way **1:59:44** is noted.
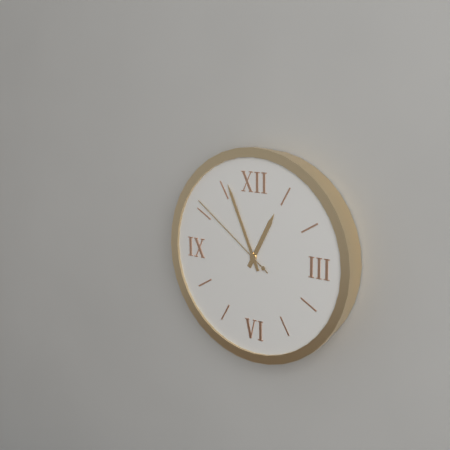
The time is **12:56:51**
